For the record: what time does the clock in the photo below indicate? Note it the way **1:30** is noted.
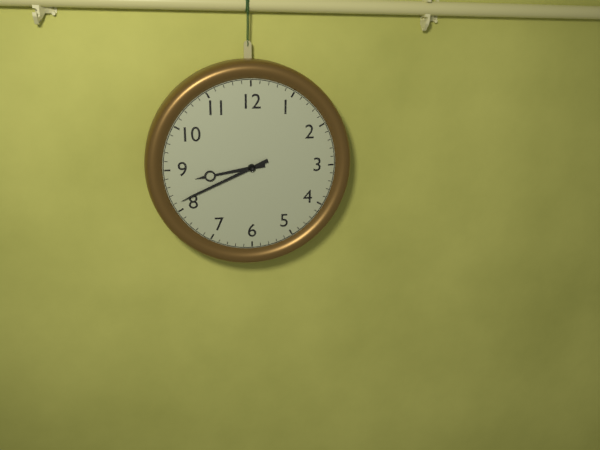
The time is **8:41**
